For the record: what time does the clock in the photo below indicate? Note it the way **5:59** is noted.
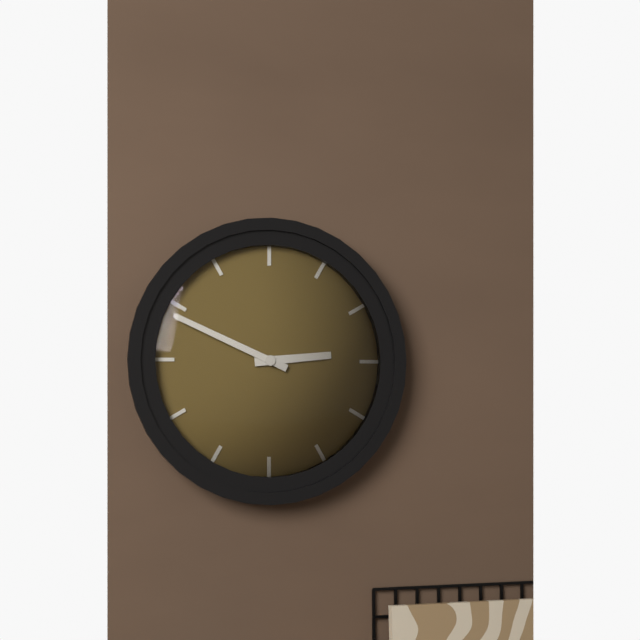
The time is **2:49**
